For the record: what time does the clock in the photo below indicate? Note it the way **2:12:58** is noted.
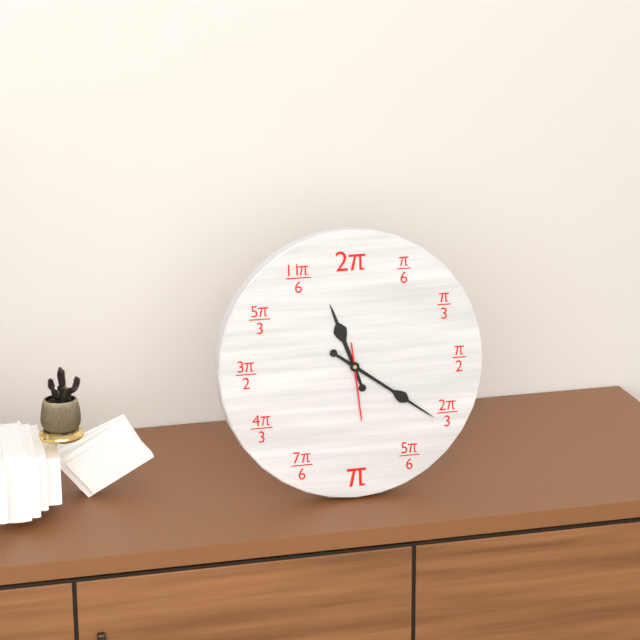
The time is **11:21:29**
